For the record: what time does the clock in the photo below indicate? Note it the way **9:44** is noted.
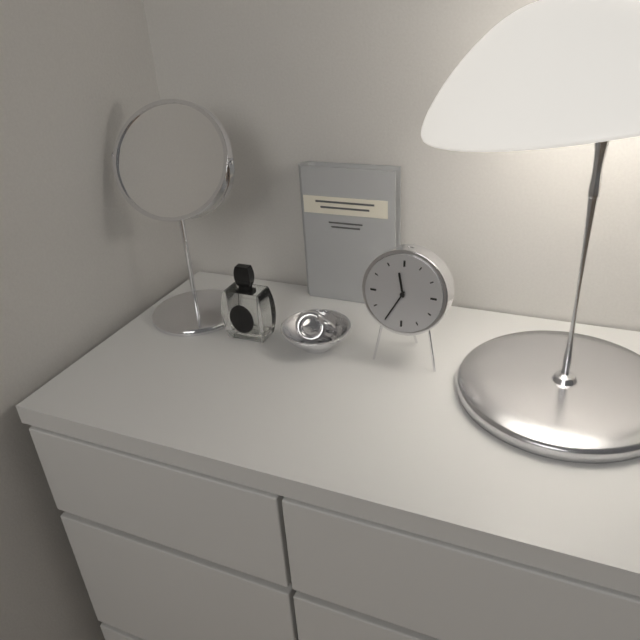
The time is **11:35**
